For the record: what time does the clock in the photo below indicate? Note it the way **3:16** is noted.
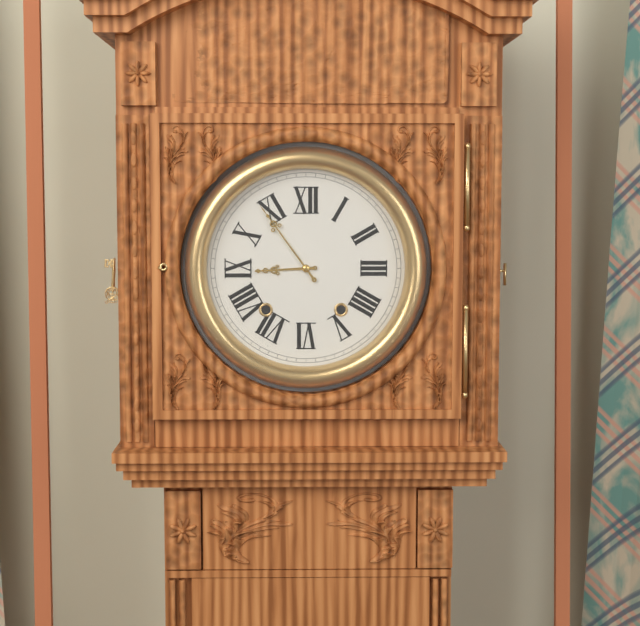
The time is **8:54**
